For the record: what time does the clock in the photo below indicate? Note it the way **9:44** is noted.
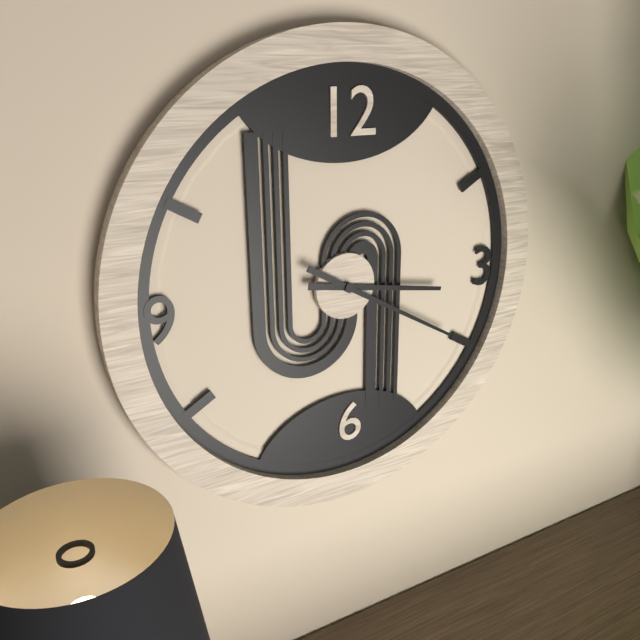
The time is **3:20**
